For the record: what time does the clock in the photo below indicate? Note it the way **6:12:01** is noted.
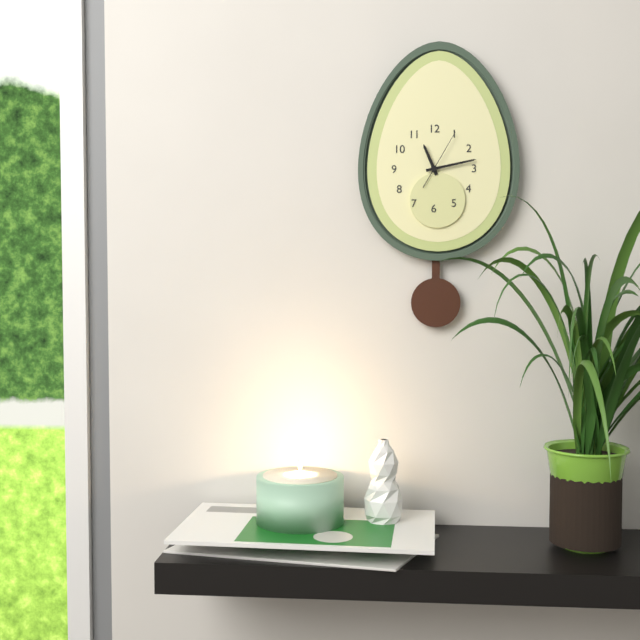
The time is **11:13:05**
